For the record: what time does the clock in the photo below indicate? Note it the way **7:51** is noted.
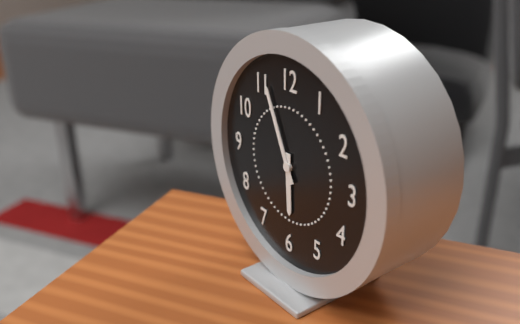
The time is **5:56**
